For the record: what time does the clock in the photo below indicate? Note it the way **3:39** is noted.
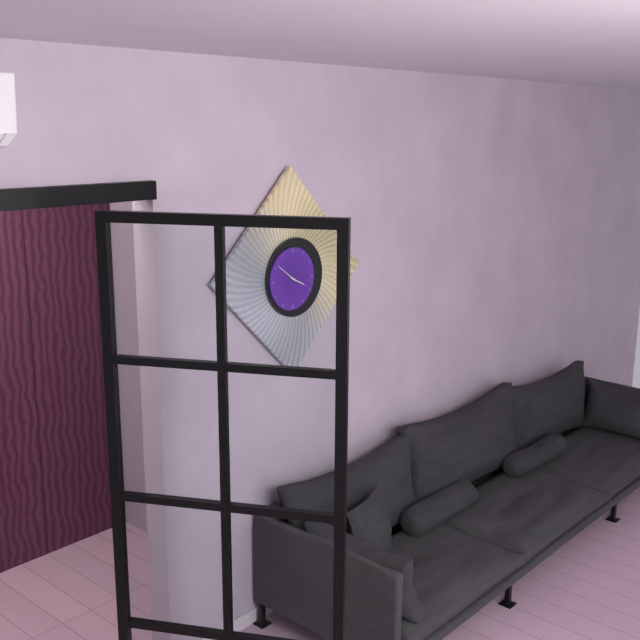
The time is **3:51**
